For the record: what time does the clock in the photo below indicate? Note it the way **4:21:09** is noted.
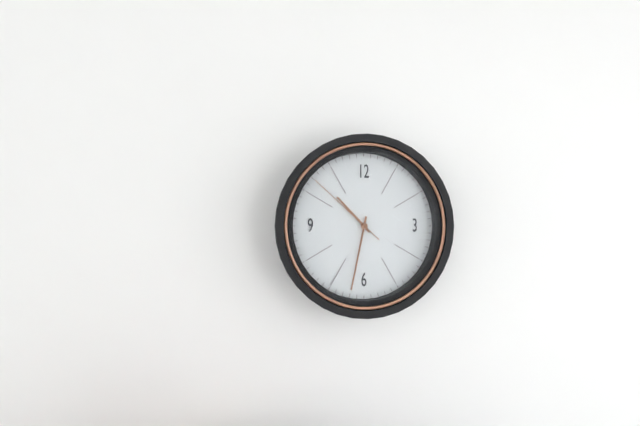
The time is **10:32:52**
